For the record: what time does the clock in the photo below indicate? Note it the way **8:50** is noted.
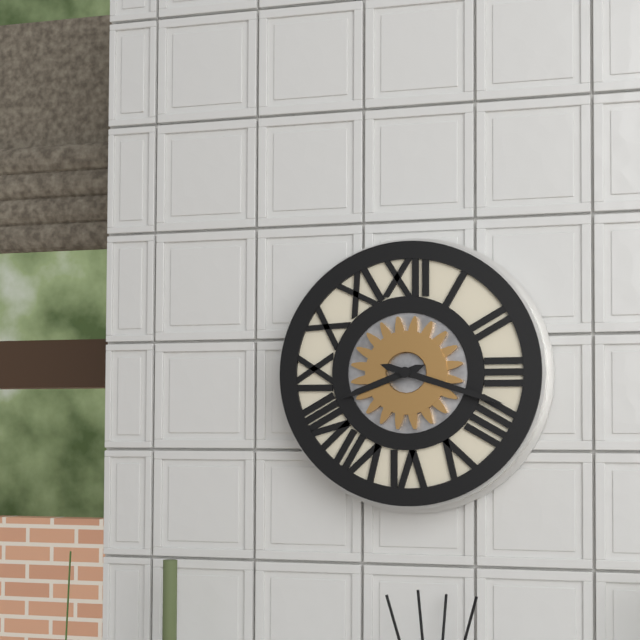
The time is **8:18**
